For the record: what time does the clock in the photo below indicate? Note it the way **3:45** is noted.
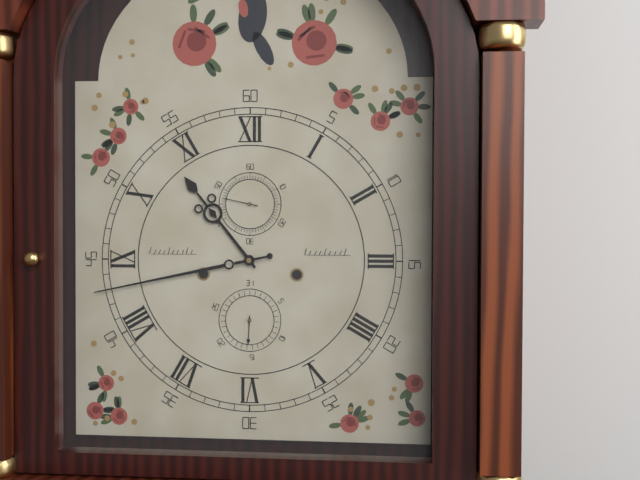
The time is **10:43**
